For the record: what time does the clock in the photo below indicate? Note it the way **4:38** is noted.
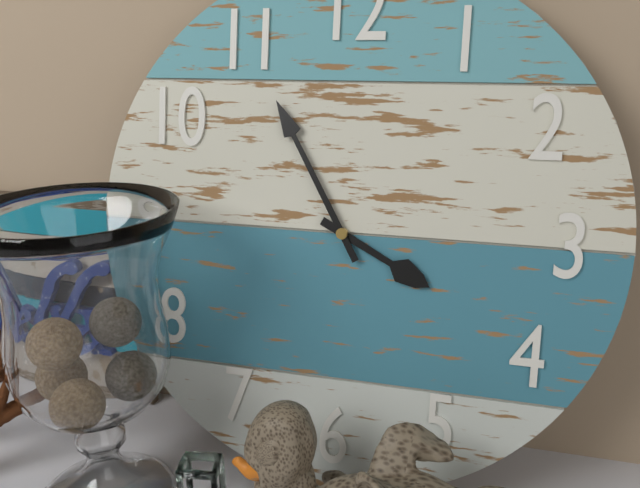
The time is **3:55**
